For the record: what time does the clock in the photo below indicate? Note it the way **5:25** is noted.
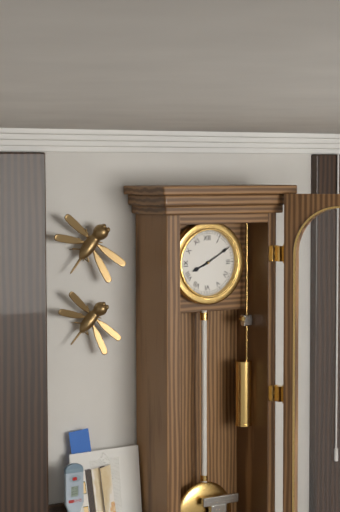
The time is **8:10**
